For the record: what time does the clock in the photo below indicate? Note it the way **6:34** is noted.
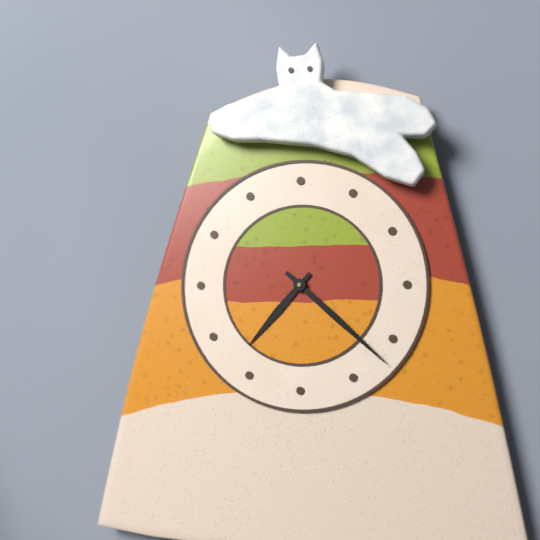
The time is **7:22**
